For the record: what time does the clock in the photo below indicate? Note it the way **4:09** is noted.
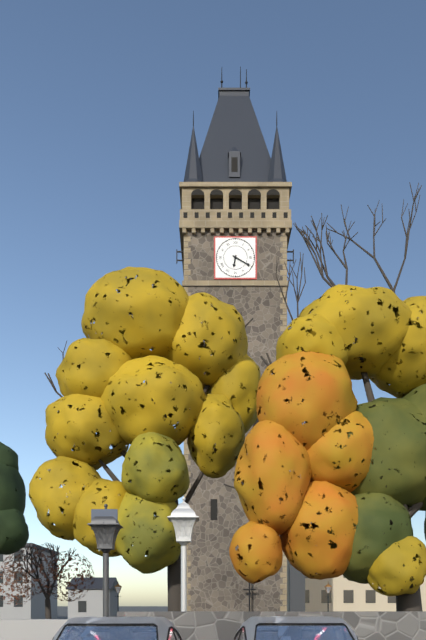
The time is **6:20**
